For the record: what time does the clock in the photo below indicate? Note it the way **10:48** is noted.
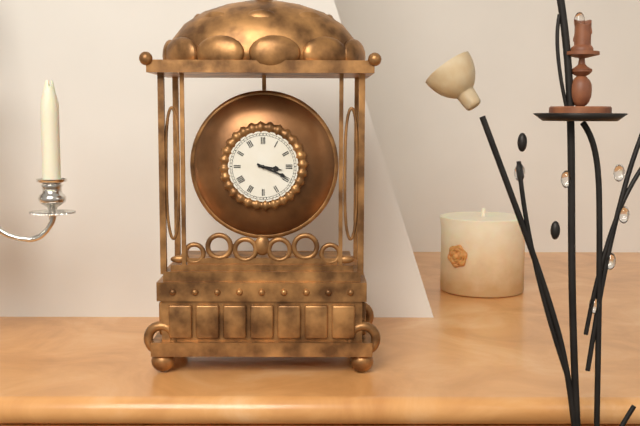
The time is **3:19**
